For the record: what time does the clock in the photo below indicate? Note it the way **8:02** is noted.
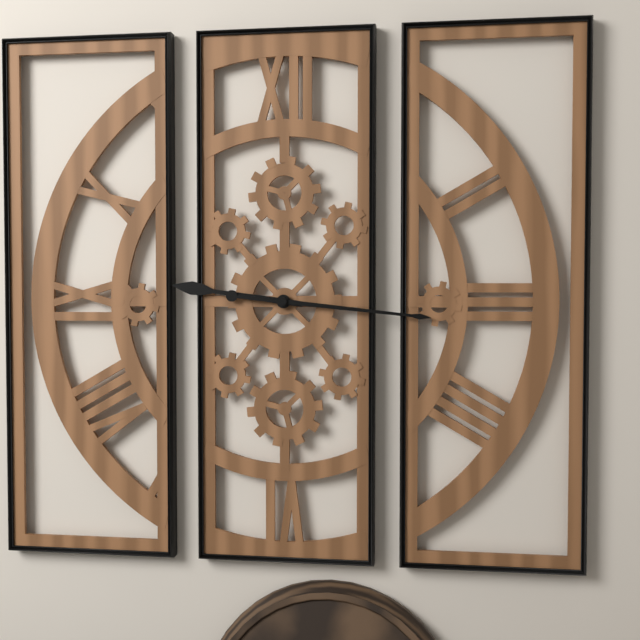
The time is **9:16**
